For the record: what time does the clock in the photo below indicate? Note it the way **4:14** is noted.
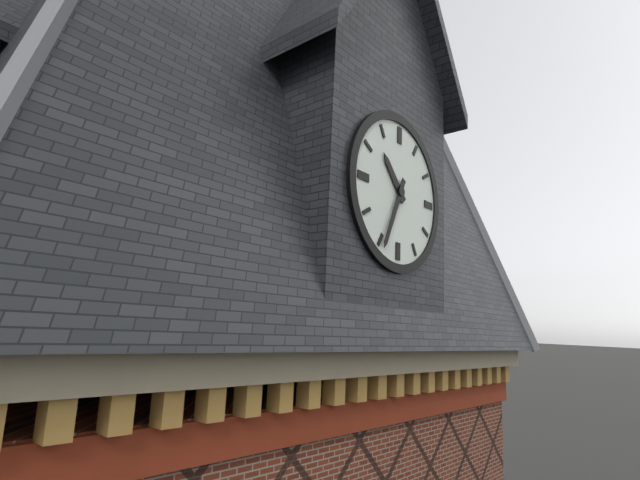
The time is **10:34**
